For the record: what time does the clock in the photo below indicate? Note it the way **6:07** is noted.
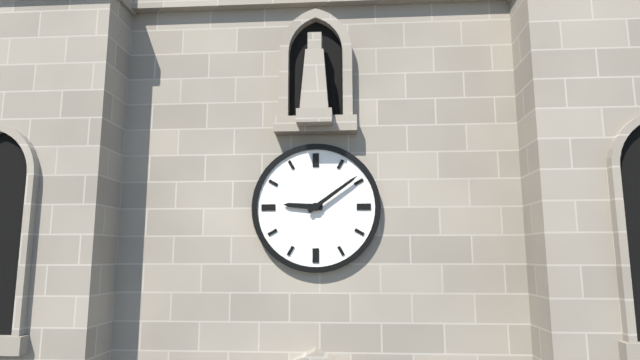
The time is **9:09**
